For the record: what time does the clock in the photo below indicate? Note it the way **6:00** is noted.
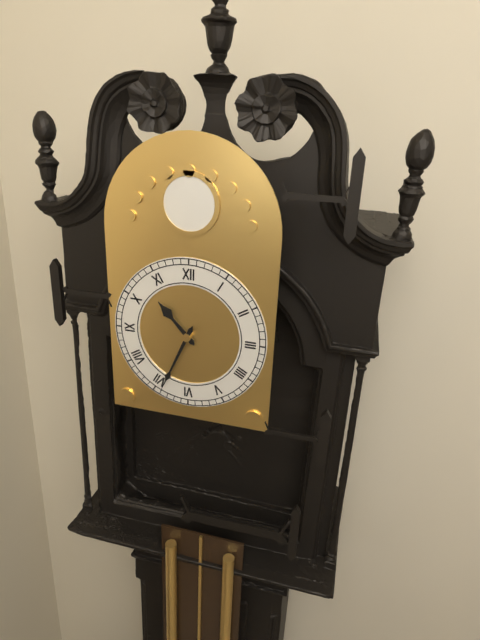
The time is **10:34**
